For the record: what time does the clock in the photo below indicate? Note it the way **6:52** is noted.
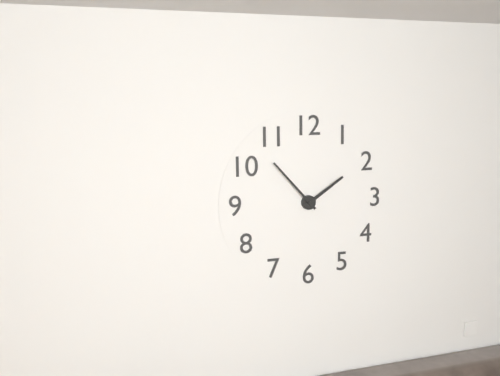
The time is **1:53**
